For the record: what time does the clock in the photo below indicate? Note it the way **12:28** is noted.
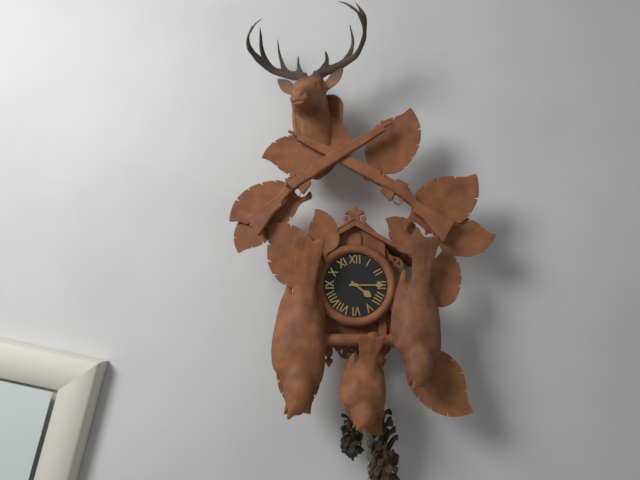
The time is **4:15**
